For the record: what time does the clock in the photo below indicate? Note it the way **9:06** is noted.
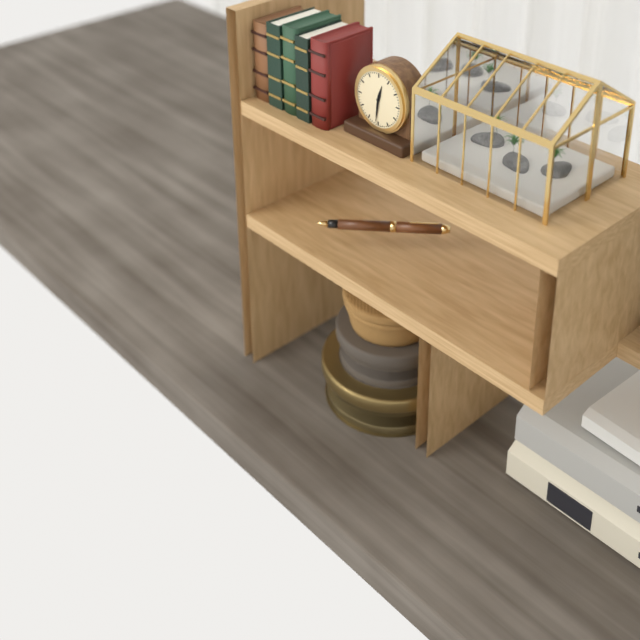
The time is **12:31**
